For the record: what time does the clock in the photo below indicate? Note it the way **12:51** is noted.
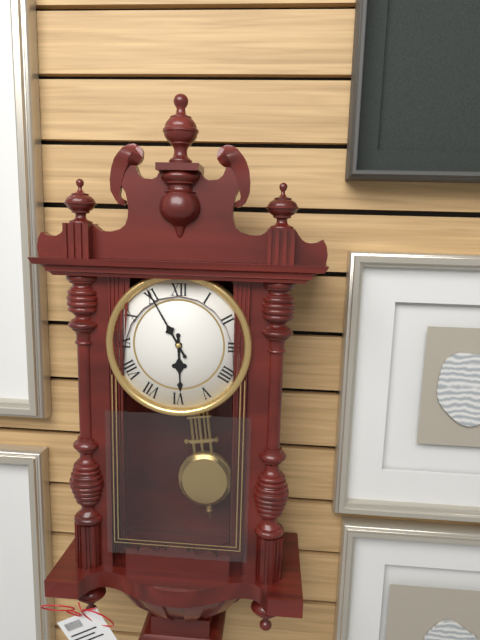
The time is **5:55**
